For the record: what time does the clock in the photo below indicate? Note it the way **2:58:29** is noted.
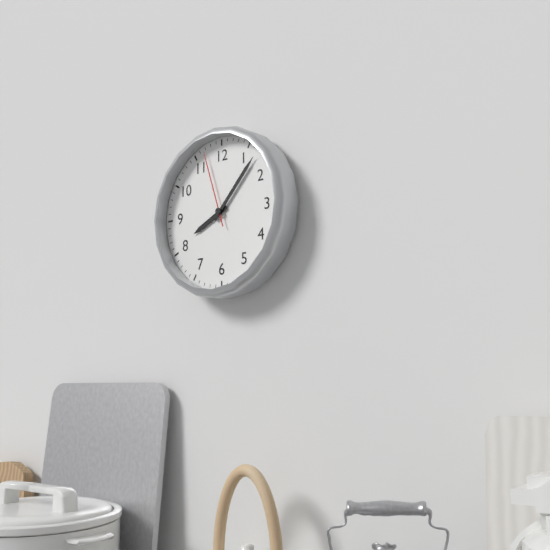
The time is **8:07:57**
